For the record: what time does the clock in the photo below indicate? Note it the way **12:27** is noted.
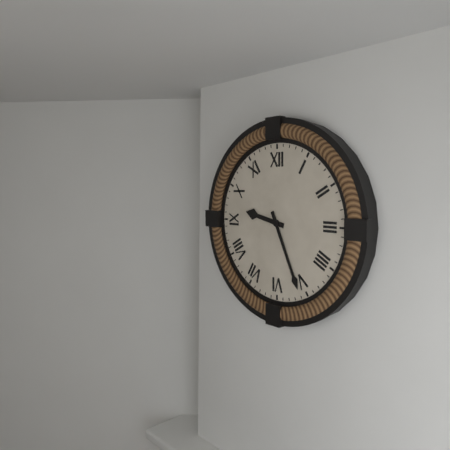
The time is **9:26**
